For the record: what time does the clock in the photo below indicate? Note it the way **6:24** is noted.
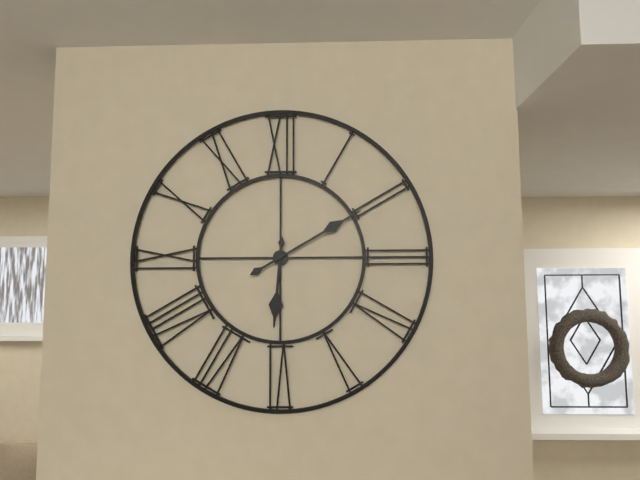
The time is **6:10**
